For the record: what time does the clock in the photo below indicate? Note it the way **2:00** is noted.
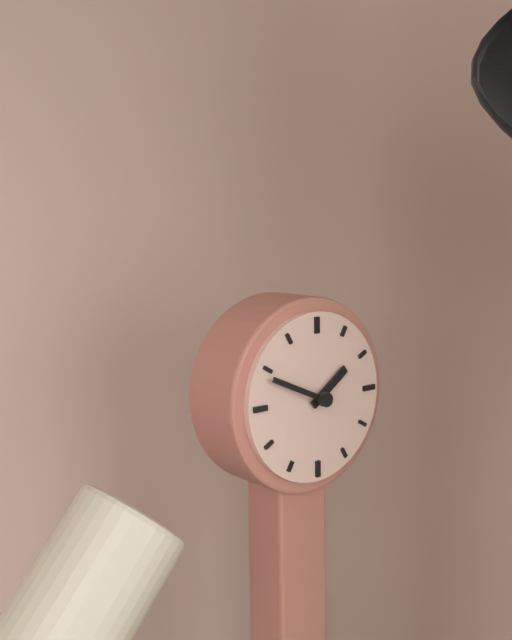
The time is **1:49**
